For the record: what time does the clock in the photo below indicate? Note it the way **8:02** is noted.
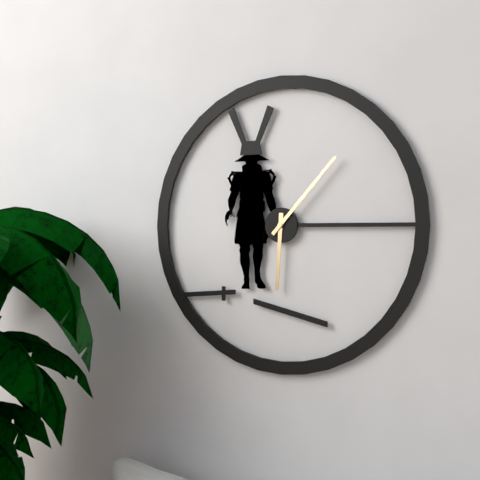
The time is **6:07**
